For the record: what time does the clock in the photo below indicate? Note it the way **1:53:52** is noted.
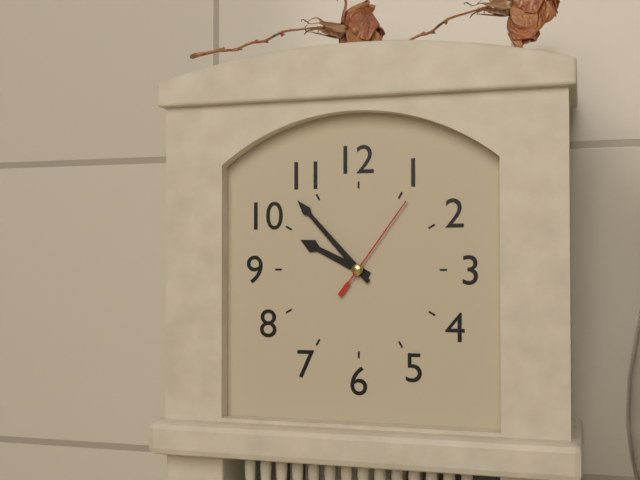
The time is **9:53:06**
